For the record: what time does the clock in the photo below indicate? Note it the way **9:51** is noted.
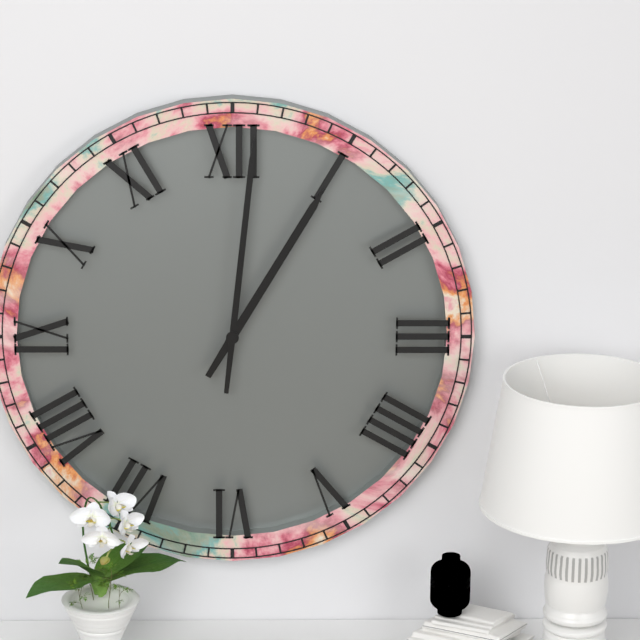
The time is **1:01**
